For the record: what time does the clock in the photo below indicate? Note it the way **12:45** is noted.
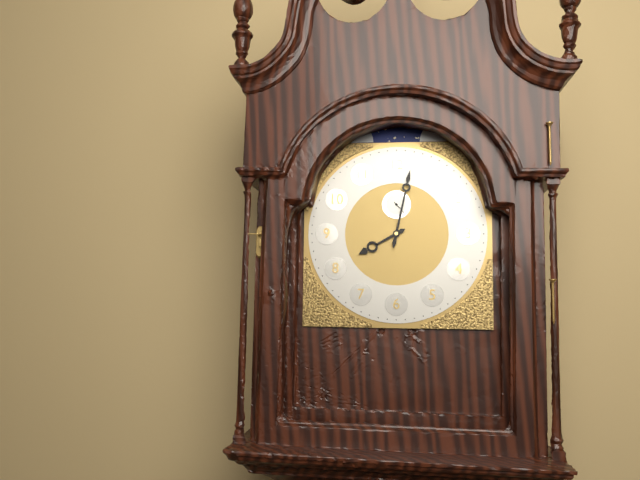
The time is **8:02**
